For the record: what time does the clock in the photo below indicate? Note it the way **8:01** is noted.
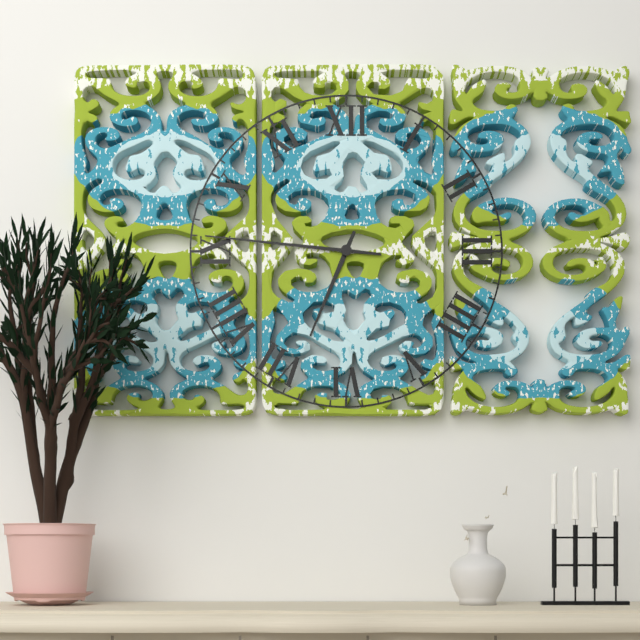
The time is **6:46**
